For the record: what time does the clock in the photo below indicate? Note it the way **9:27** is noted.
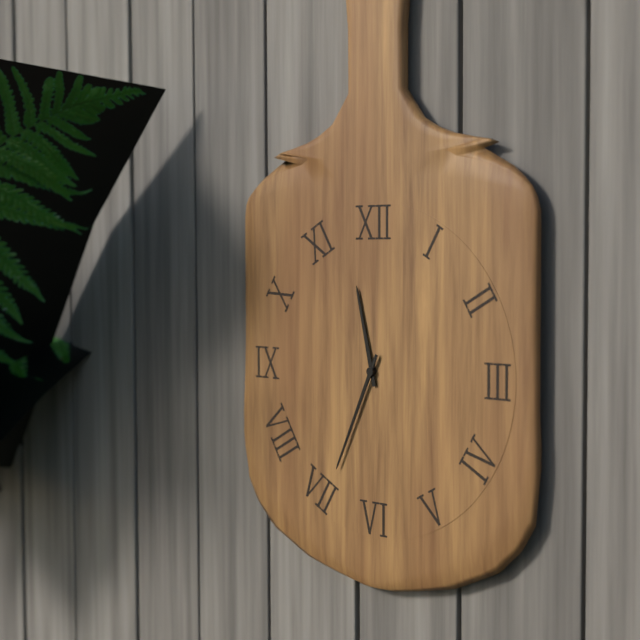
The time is **11:34**
